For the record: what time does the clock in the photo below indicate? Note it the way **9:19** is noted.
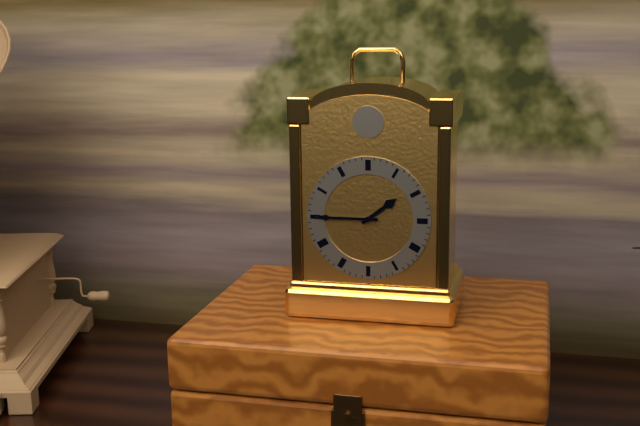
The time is **1:45**
